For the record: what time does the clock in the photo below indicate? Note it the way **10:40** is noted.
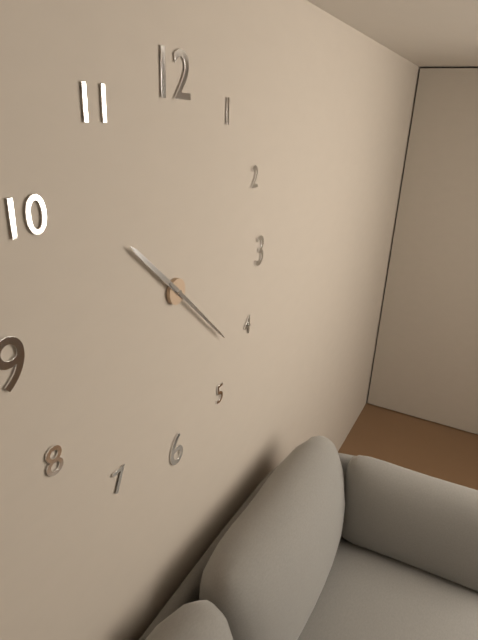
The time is **10:22**
